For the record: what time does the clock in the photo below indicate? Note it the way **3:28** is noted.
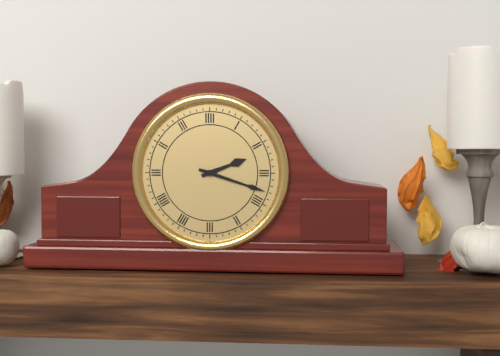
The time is **2:18**
